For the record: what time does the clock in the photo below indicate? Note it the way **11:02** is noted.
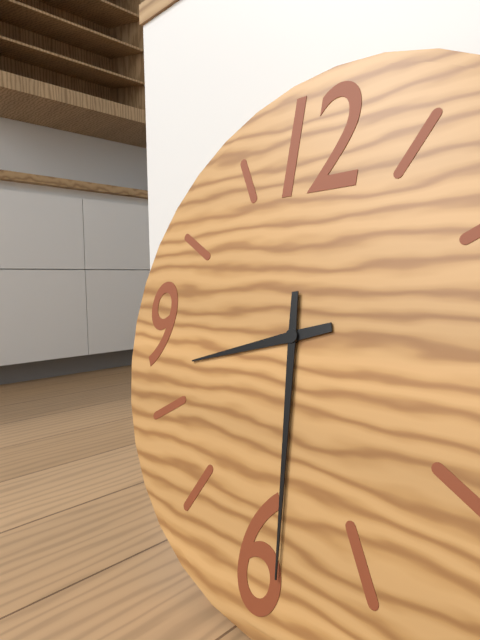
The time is **8:29**
